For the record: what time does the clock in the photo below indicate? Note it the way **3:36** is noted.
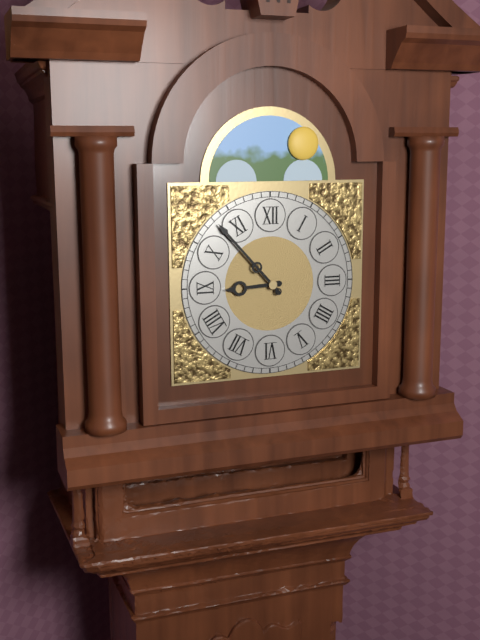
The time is **8:53**
